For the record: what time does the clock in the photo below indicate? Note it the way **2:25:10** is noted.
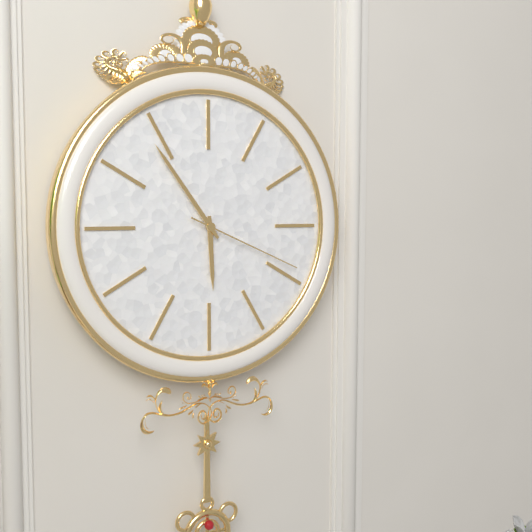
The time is **5:54:19**
